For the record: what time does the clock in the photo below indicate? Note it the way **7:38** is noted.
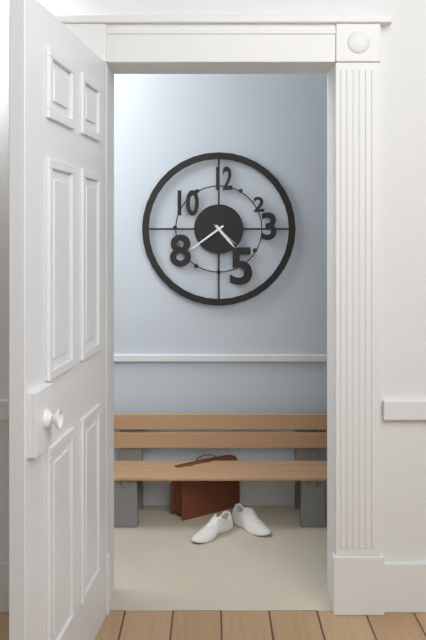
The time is **4:39**
